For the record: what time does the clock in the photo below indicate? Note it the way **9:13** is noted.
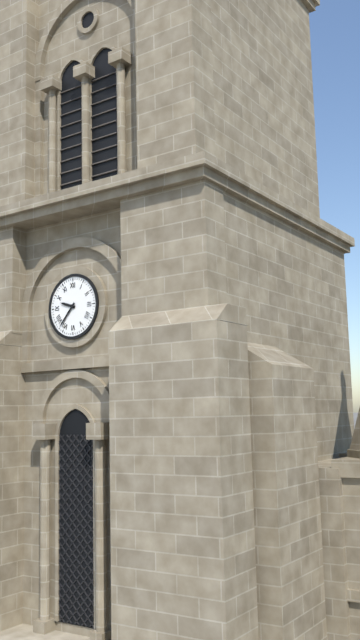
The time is **9:37**
